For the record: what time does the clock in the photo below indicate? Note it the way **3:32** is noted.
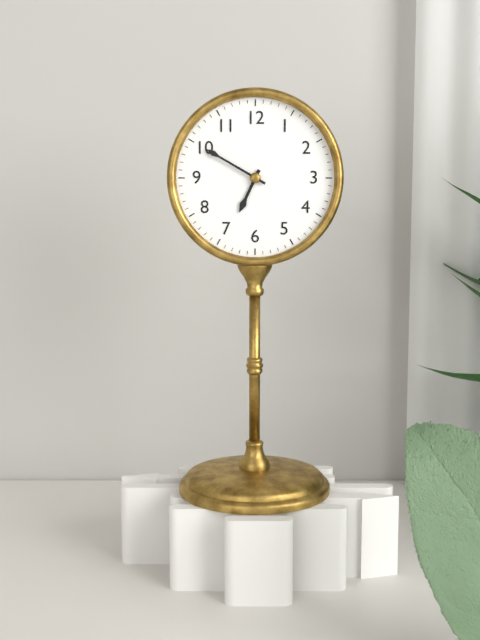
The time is **6:50**
